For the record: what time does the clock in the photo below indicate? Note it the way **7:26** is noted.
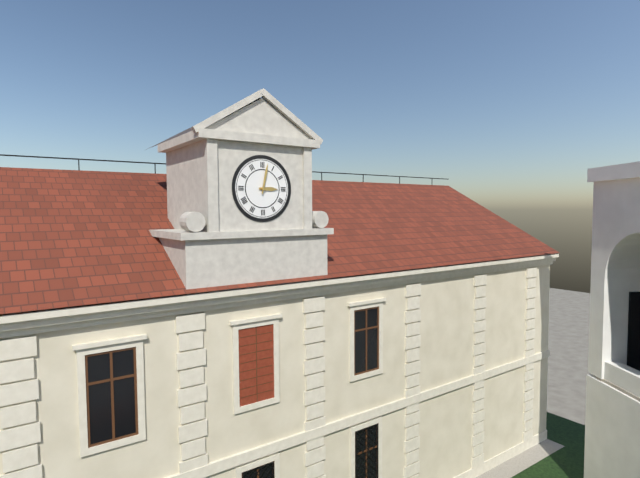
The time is **3:02**
